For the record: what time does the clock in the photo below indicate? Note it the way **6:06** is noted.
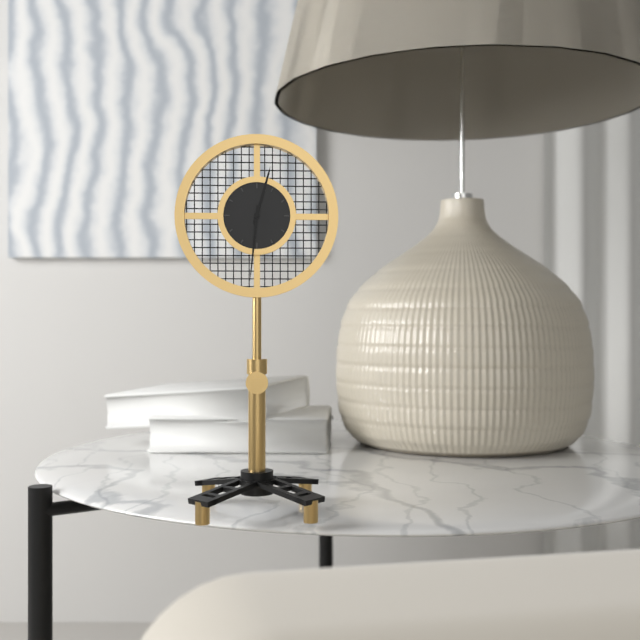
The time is **12:31**
